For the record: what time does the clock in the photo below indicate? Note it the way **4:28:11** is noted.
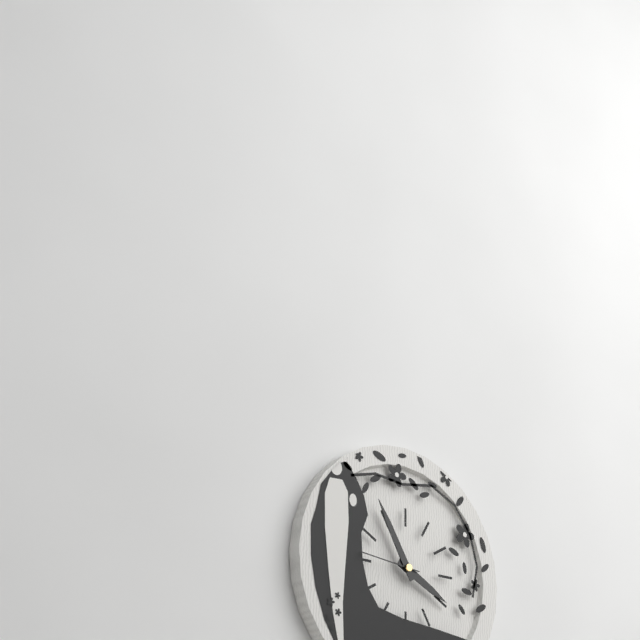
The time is **3:55:46**
